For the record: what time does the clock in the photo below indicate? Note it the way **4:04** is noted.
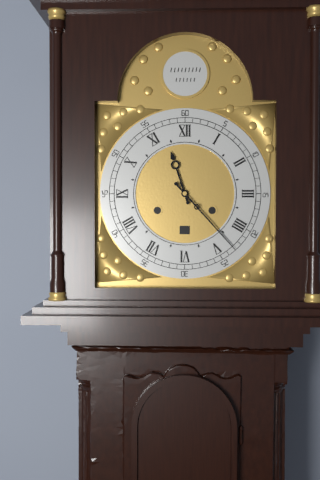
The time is **11:23**
